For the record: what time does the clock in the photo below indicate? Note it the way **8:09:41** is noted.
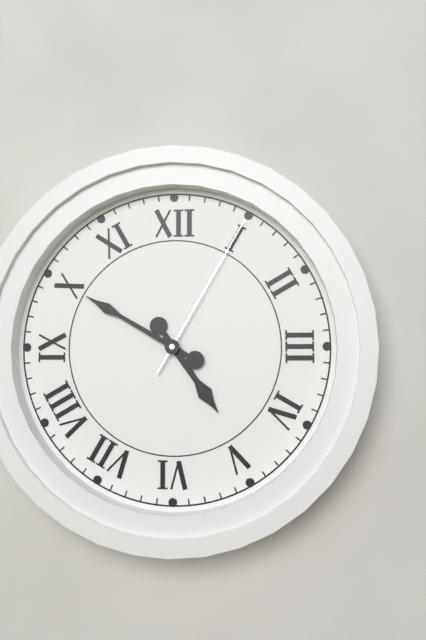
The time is **4:50:05**
